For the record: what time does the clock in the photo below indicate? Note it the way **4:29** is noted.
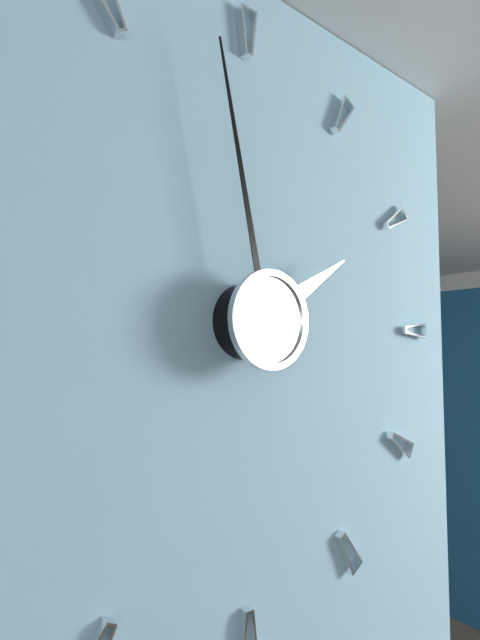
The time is **1:58**
